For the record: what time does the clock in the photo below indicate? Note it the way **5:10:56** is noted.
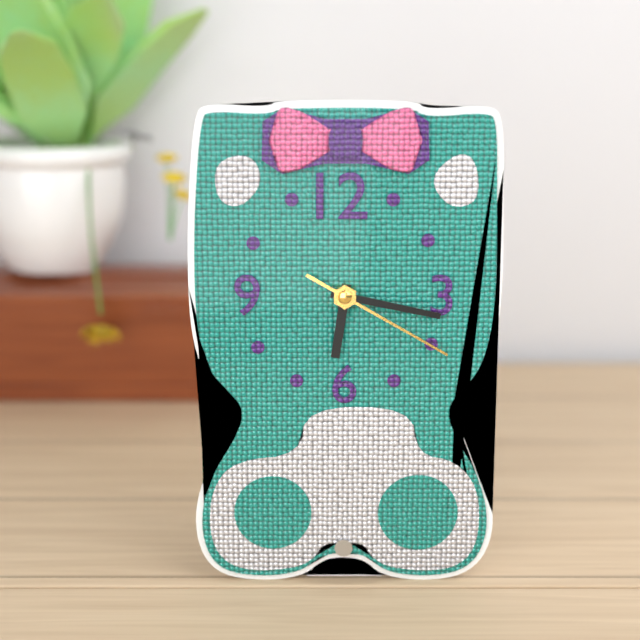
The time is **6:17:20**
